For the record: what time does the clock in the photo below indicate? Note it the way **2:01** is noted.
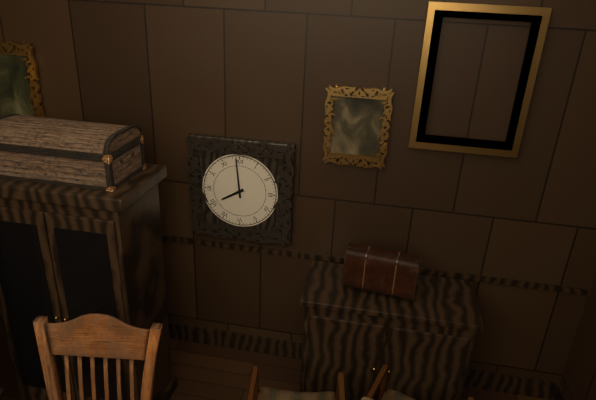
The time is **7:59**
